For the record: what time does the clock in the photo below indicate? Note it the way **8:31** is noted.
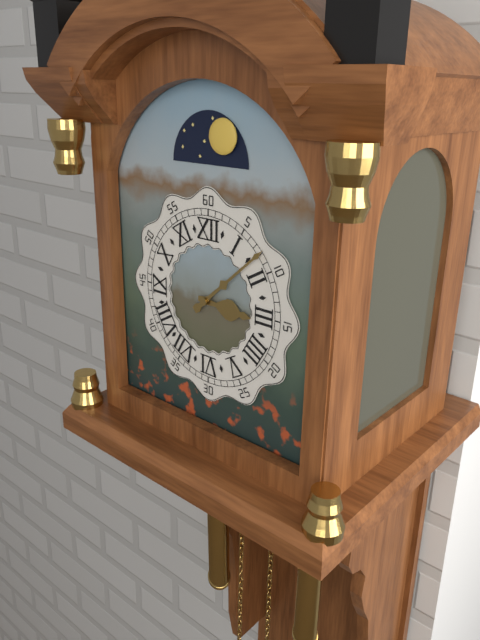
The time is **3:08**
